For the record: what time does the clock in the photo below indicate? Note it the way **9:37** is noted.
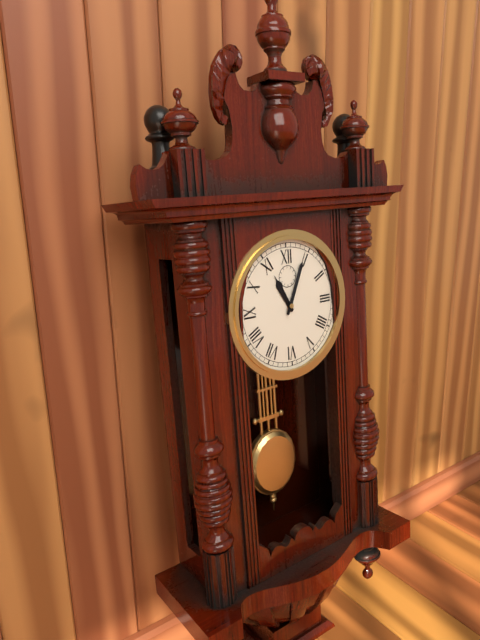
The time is **11:04**
